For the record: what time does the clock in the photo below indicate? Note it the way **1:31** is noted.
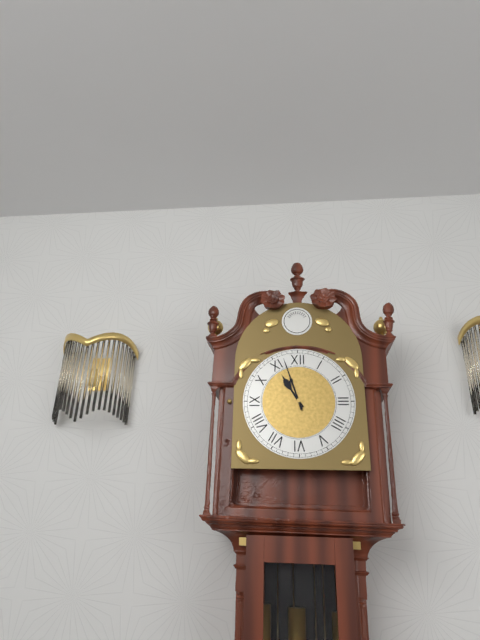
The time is **10:57**
